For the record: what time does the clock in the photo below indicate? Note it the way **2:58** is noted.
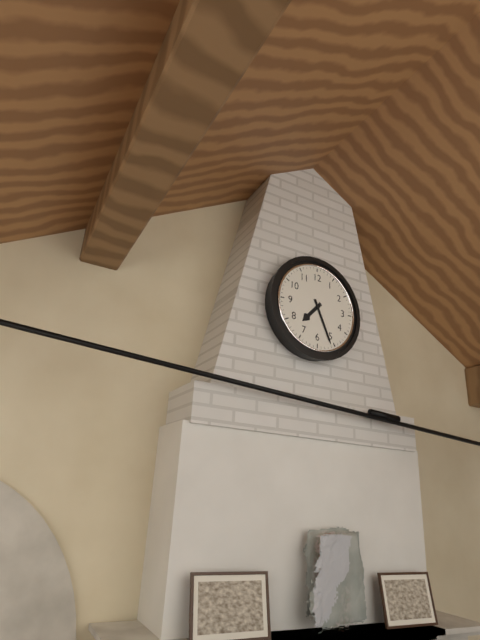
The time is **7:26**
